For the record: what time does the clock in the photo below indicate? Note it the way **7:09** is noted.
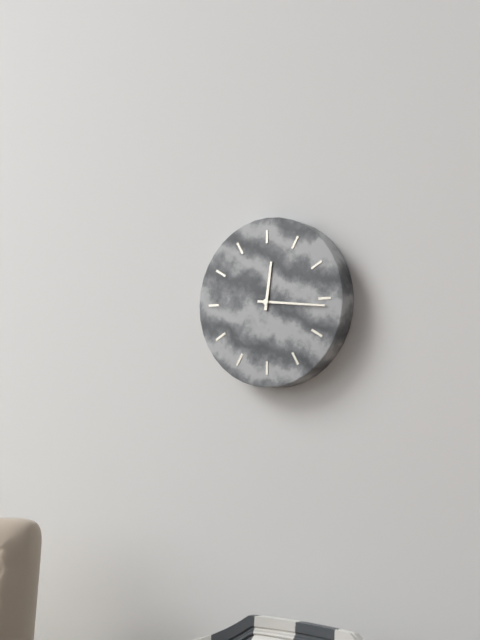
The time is **12:16**
